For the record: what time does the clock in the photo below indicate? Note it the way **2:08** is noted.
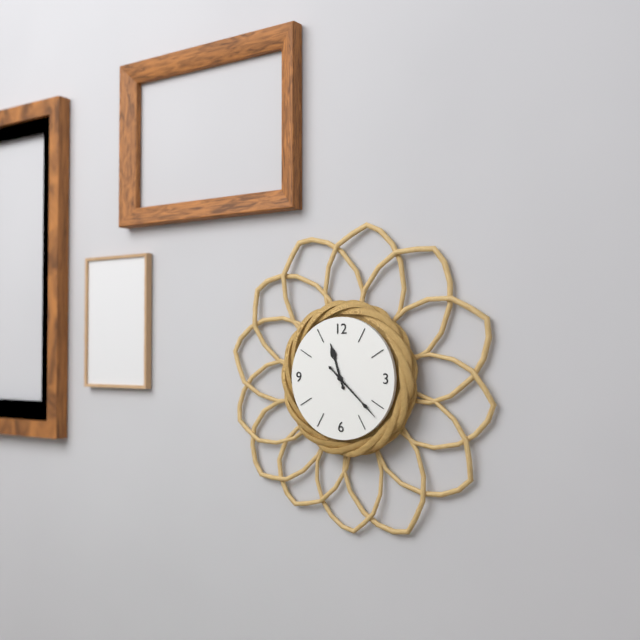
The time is **11:22**
